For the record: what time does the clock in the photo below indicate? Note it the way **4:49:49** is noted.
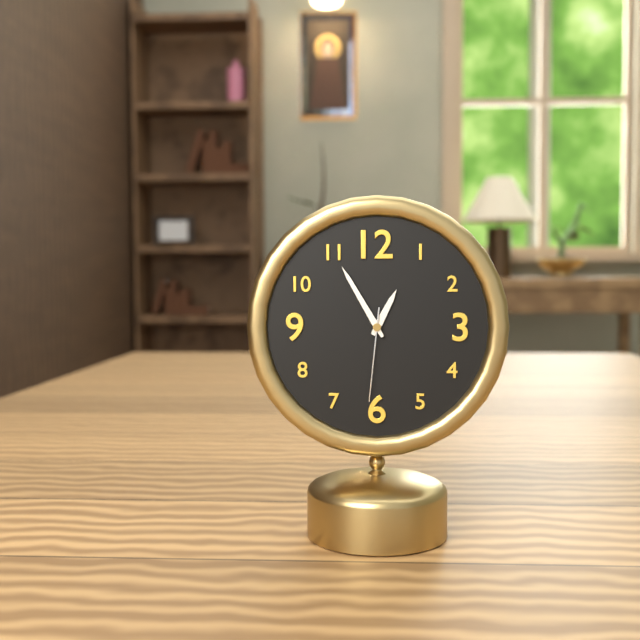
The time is **12:55:31**
